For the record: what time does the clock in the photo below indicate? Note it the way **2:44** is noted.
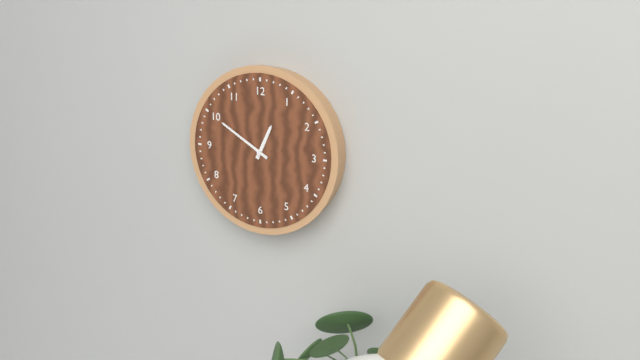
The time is **12:50**
